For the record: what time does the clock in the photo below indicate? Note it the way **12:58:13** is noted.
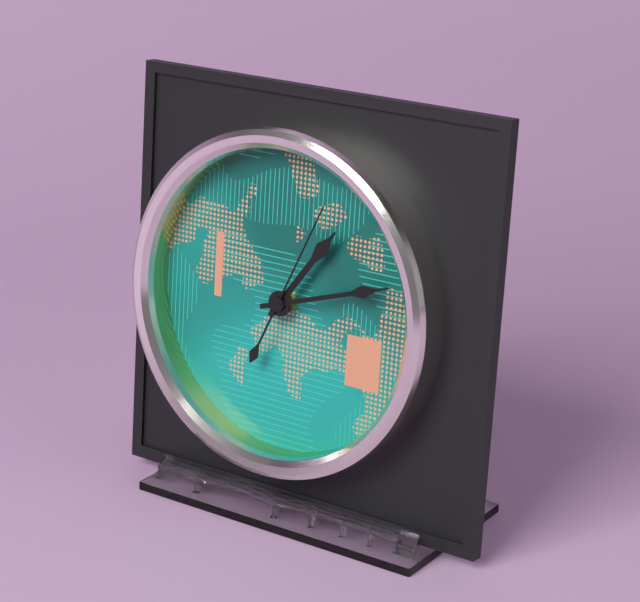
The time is **1:12:04**
